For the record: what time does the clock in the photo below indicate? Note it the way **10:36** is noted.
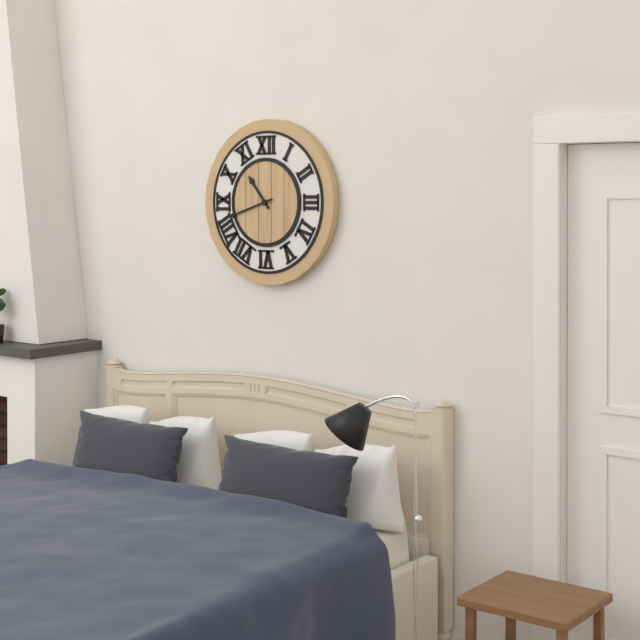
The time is **10:42**
